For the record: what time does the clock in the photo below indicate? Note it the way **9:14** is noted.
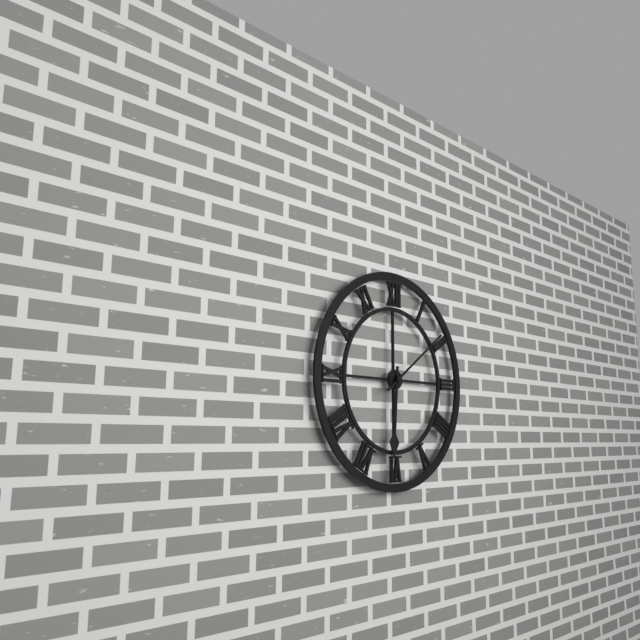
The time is **6:09**
